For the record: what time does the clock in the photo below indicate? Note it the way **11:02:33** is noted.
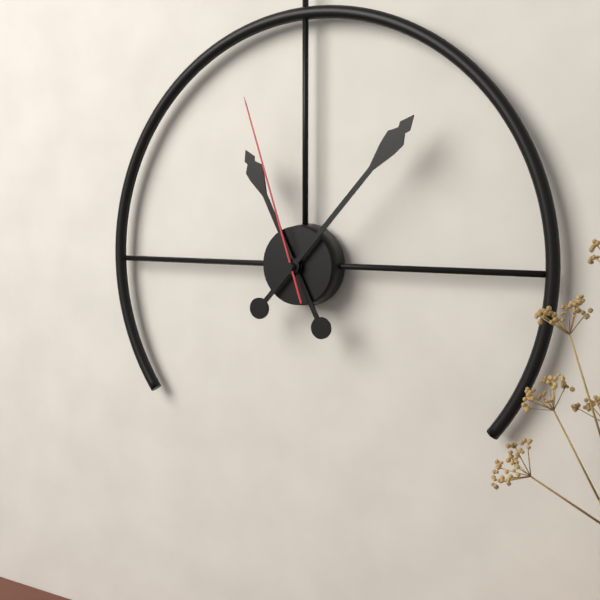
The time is **11:07:57**
